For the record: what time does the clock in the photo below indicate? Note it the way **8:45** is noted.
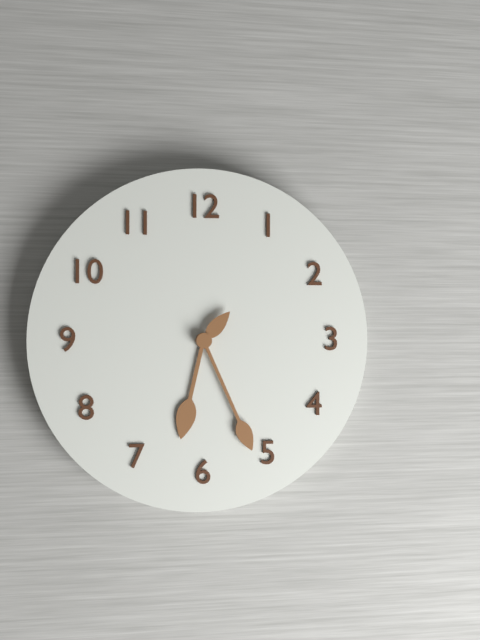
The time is **6:26**
